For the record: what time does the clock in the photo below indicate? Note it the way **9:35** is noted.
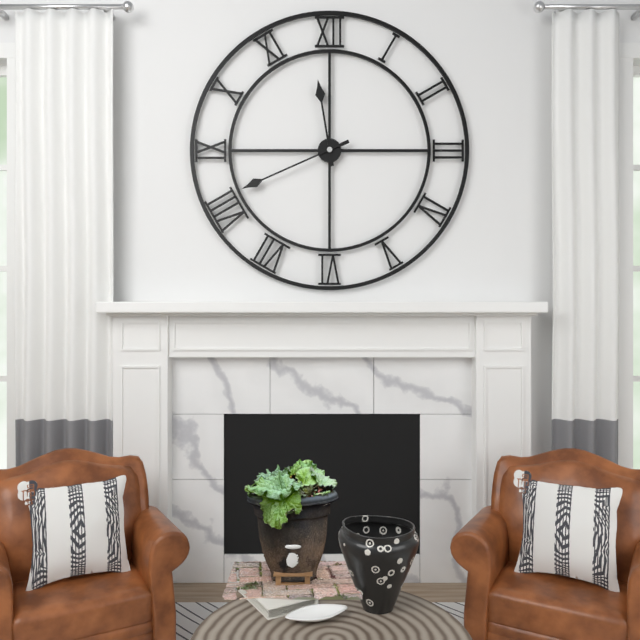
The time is **11:41**
